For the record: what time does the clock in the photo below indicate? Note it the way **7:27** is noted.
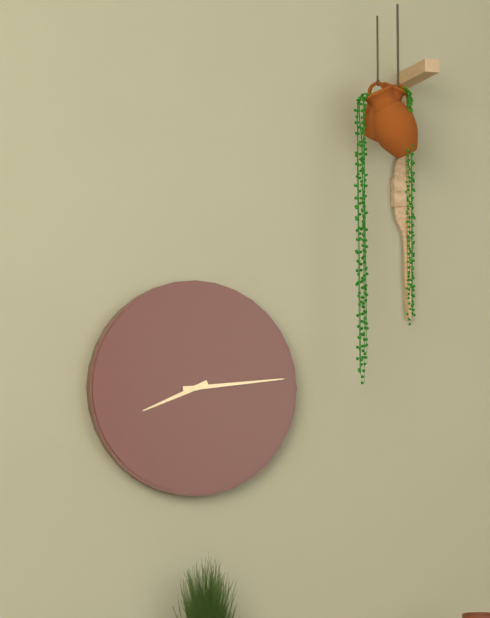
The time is **8:14**
